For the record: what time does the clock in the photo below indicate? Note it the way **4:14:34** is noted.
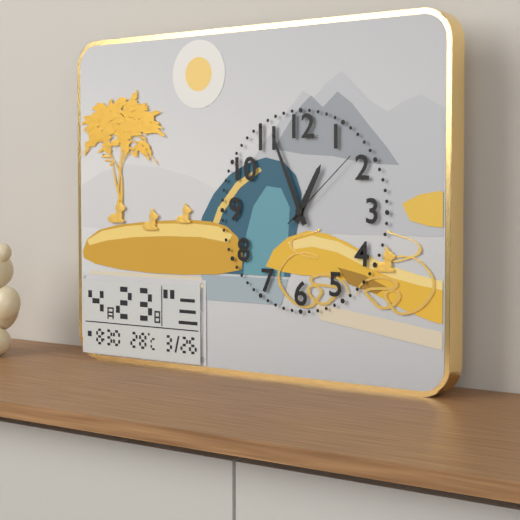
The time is **12:56:08**
